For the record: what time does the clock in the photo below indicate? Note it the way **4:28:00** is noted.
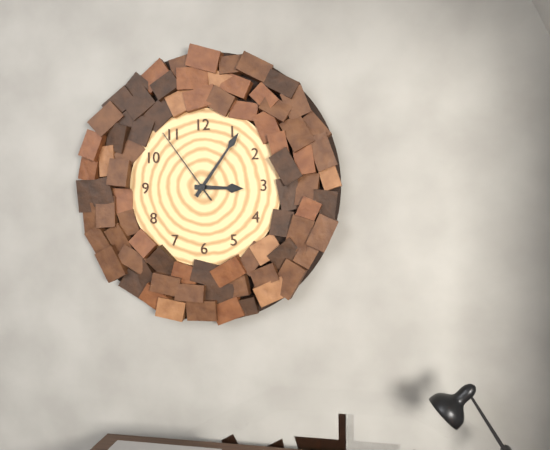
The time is **3:06:54**
